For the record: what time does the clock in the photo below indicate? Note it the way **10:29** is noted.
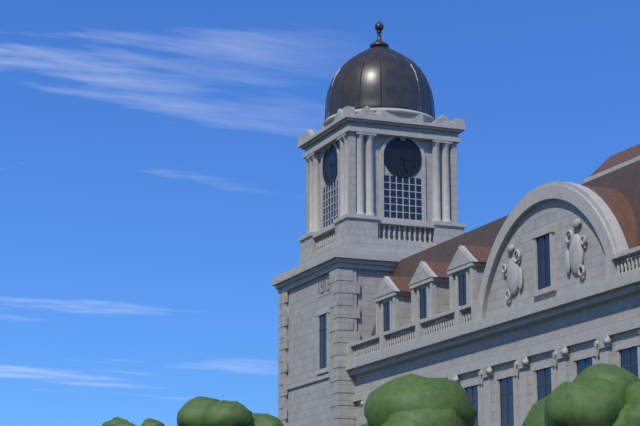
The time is **3:27**
